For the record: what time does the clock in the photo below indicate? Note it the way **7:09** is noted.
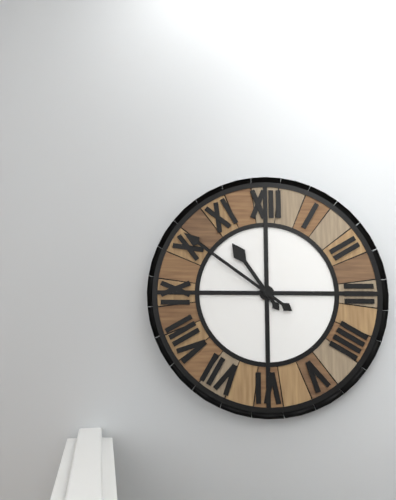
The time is **10:51**
